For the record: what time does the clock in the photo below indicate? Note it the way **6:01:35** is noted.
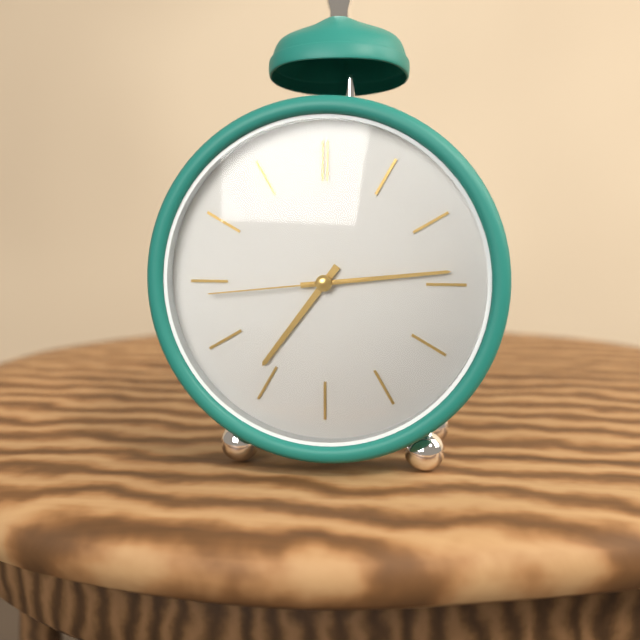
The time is **7:14:44**
